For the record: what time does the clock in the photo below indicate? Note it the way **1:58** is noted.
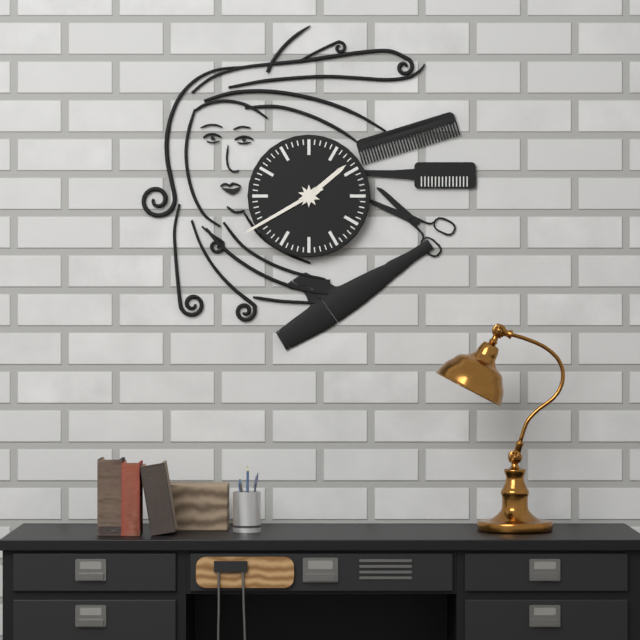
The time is **1:40**
